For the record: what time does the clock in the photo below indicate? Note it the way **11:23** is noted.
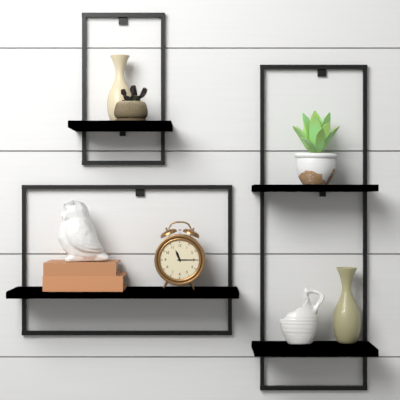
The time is **11:15**
